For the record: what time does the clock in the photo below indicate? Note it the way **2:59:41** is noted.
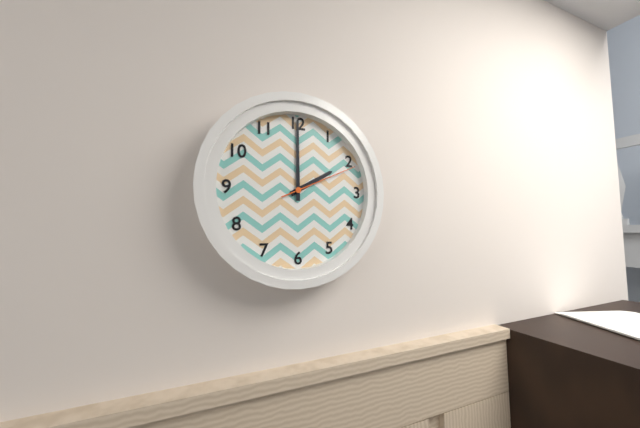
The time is **2:00:11**
